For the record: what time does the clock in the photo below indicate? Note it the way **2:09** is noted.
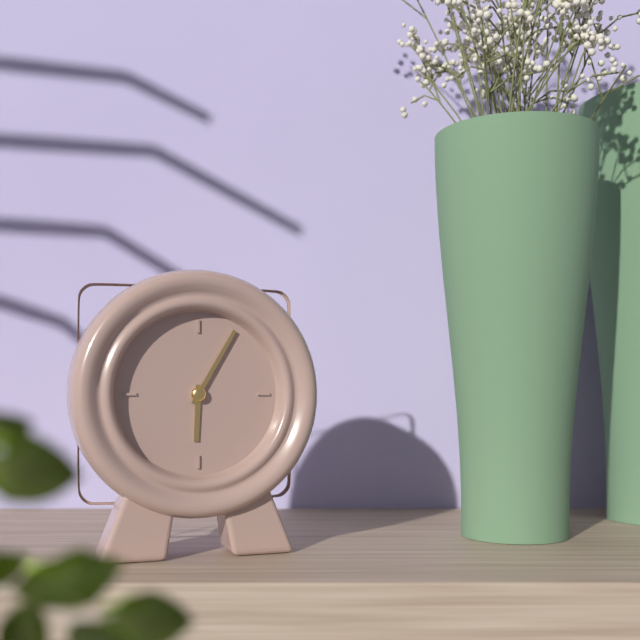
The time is **6:05**
